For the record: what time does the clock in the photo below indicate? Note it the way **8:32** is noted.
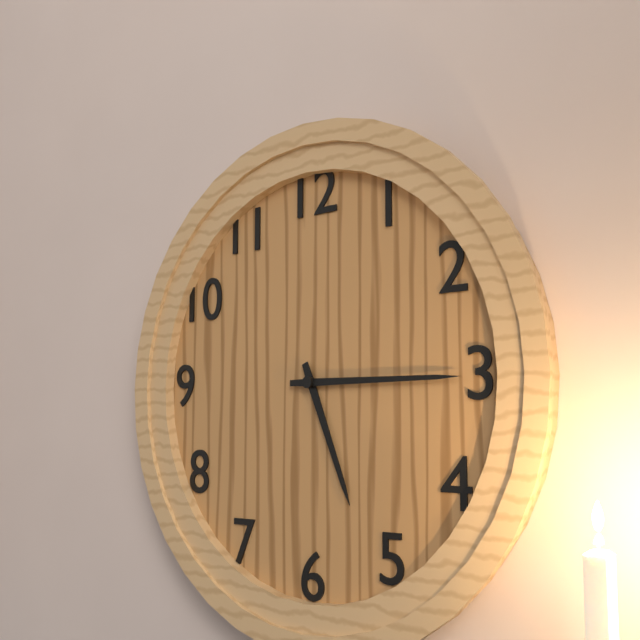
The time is **5:15**
